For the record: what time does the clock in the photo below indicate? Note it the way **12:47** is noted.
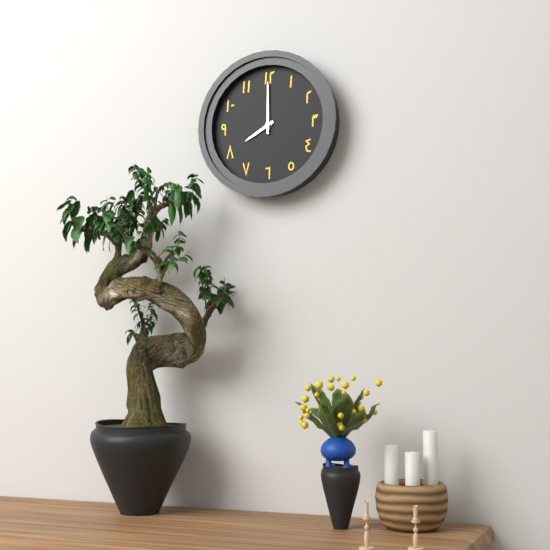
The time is **8:00**
